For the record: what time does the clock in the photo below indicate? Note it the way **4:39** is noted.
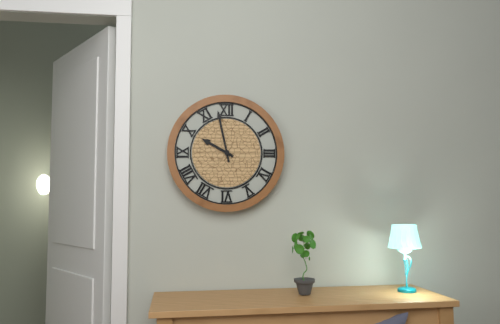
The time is **9:58**
